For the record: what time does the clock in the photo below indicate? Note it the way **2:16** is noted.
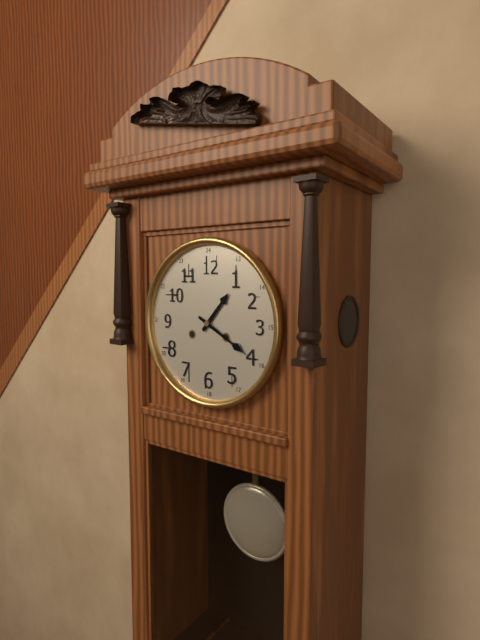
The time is **1:20**
